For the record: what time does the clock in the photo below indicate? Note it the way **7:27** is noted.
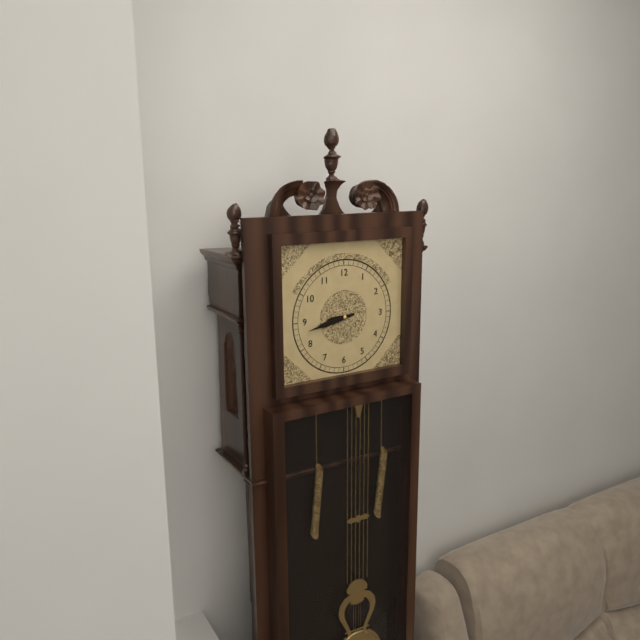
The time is **8:43**
